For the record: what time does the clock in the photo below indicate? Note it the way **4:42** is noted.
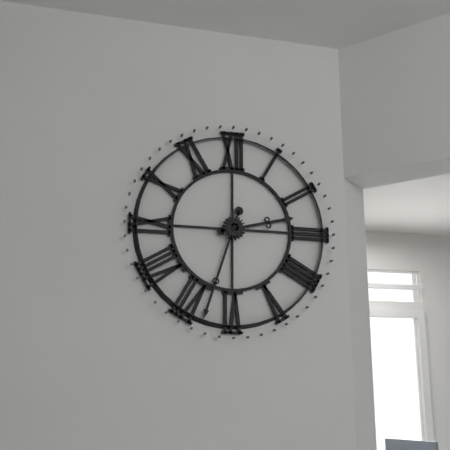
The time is **2:33**
